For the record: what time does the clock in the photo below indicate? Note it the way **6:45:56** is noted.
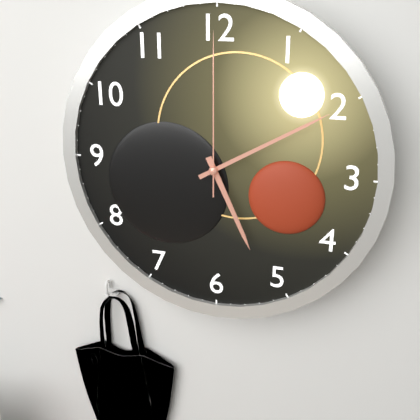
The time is **5:10:00**
